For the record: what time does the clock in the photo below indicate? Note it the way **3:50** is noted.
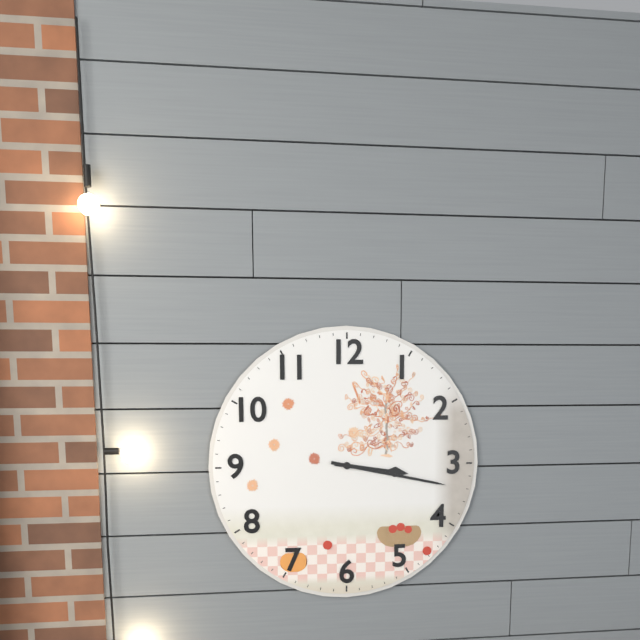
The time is **3:17**
